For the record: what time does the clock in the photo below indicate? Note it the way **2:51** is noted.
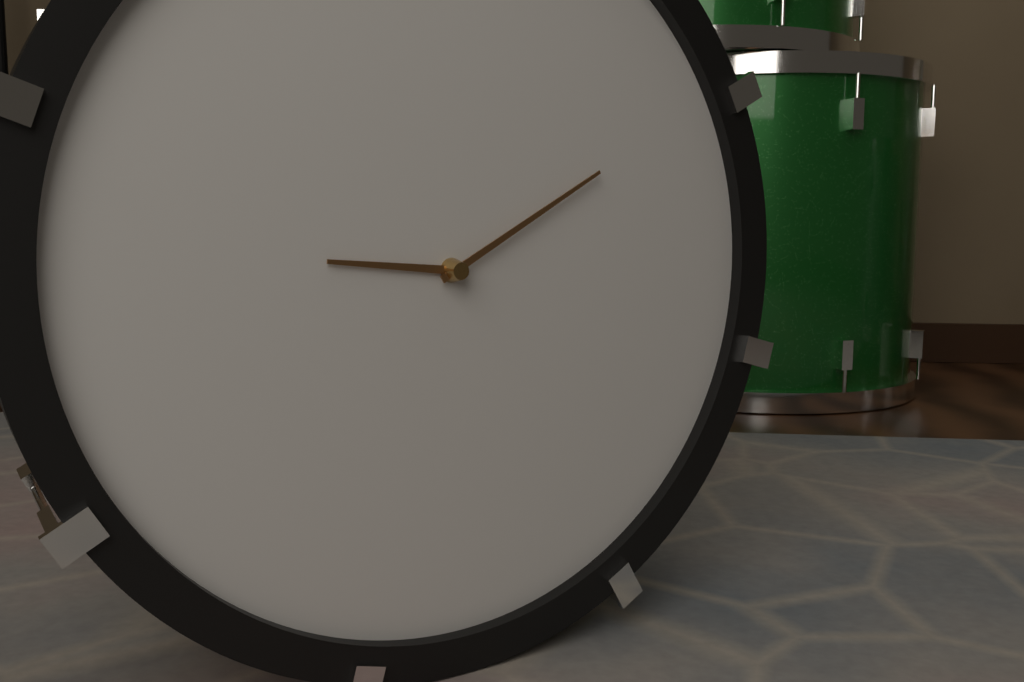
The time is **9:10**
